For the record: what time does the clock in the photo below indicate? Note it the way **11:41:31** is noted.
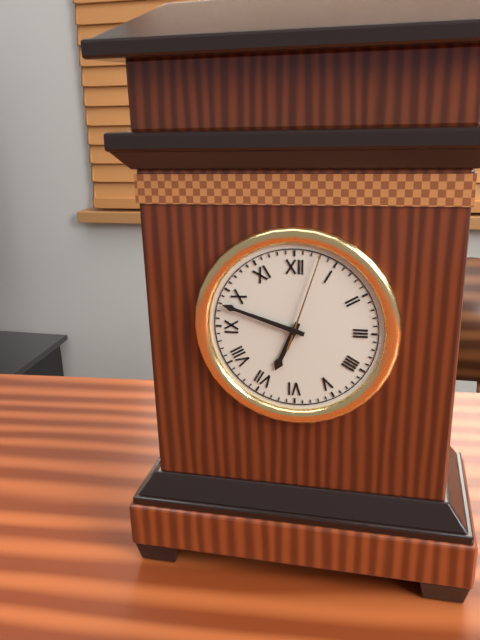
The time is **6:48:03**
